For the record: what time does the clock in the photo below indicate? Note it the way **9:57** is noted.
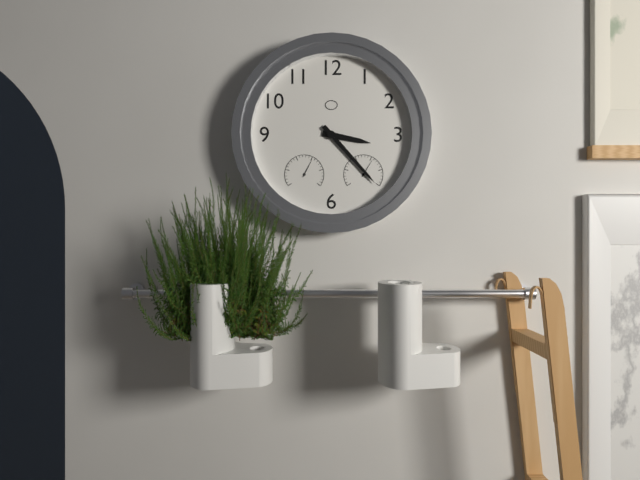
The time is **3:23**
